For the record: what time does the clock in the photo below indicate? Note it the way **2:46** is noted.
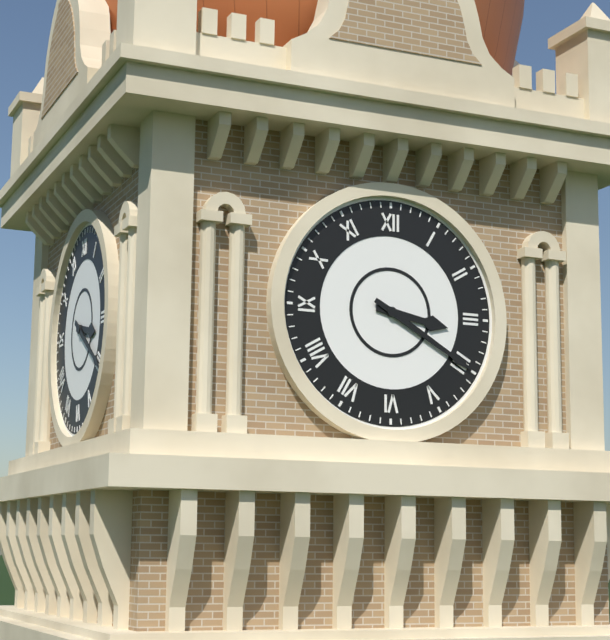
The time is **3:20**
